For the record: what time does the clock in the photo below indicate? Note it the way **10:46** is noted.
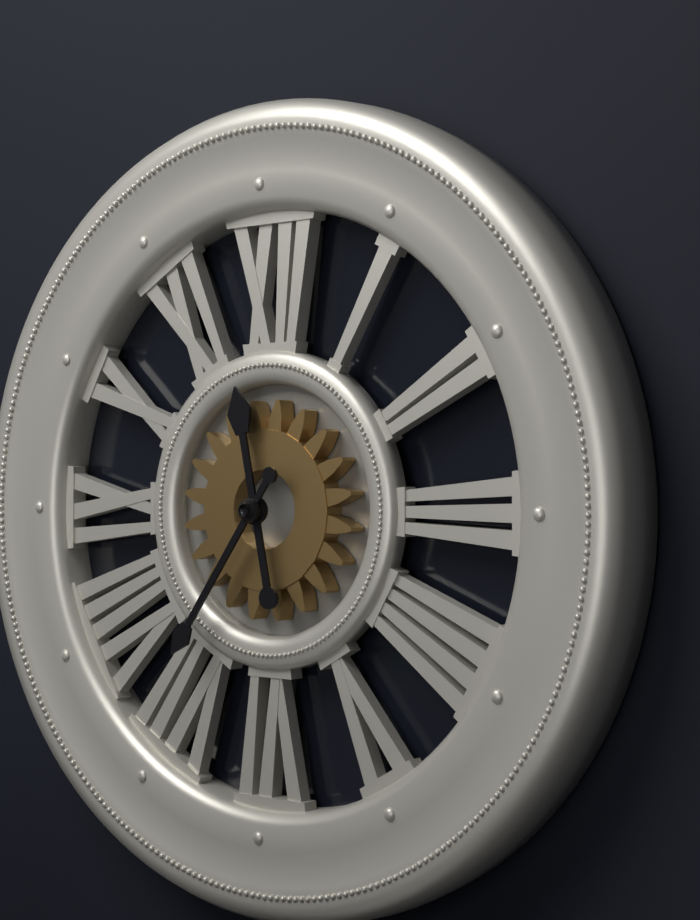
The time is **11:36**
